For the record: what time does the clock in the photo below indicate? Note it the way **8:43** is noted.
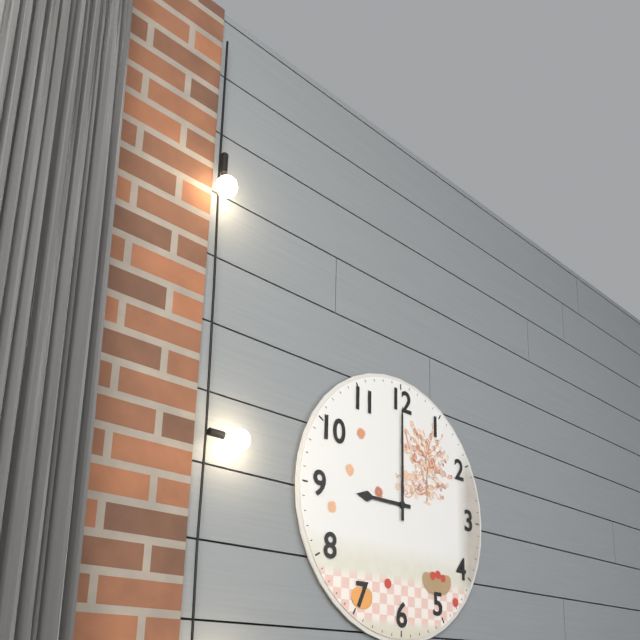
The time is **9:00**
